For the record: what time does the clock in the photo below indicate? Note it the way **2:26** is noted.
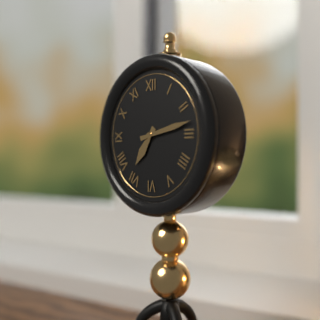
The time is **7:13**
